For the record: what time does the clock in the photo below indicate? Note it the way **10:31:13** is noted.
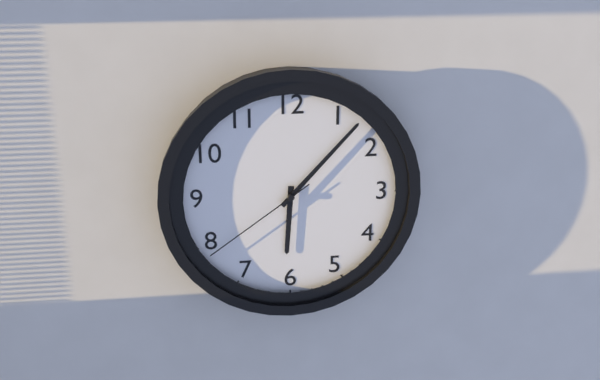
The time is **6:07:39**
